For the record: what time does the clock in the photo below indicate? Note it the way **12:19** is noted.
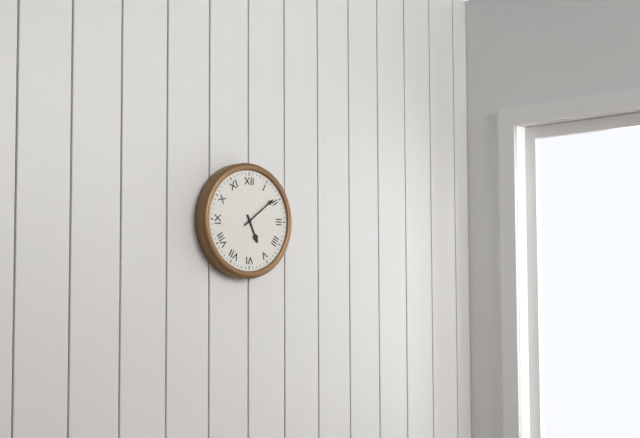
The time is **5:09**
